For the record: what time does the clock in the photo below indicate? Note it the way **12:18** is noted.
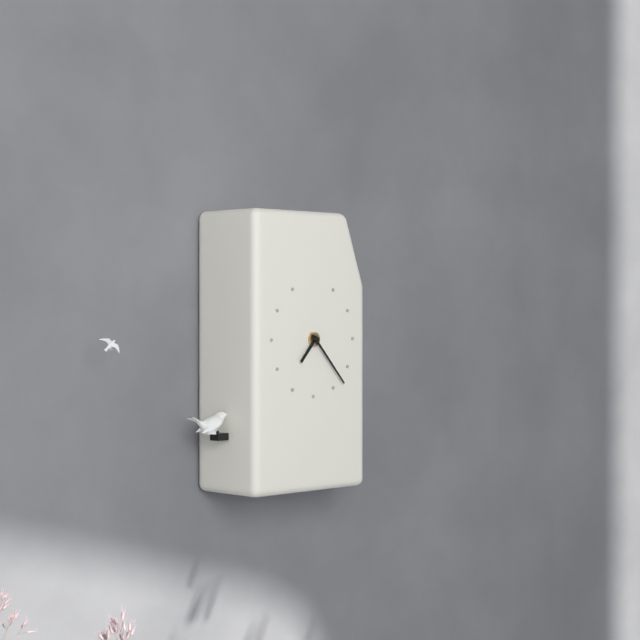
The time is **7:23**
